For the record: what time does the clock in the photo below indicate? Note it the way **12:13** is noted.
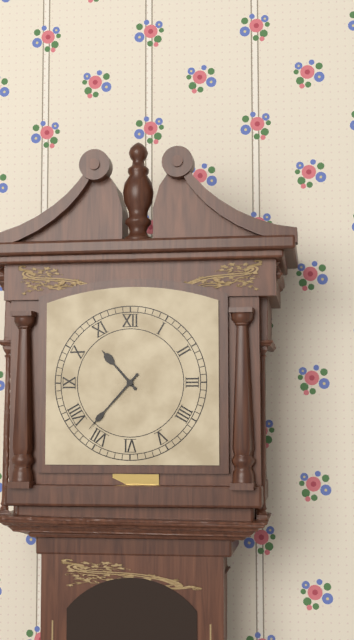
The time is **10:37**
